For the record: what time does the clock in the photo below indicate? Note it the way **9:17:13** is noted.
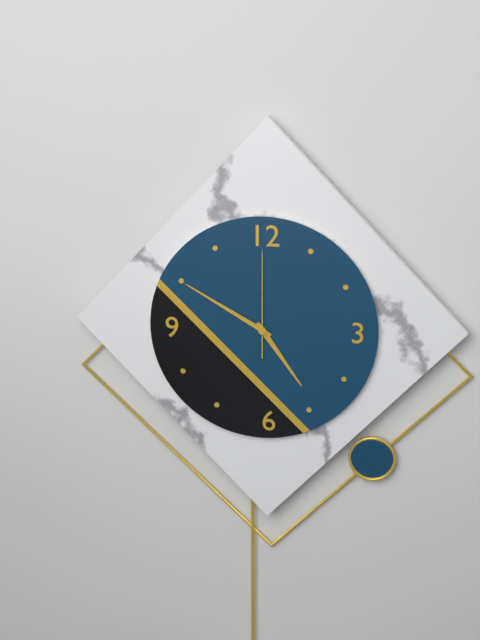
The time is **4:50:00**
